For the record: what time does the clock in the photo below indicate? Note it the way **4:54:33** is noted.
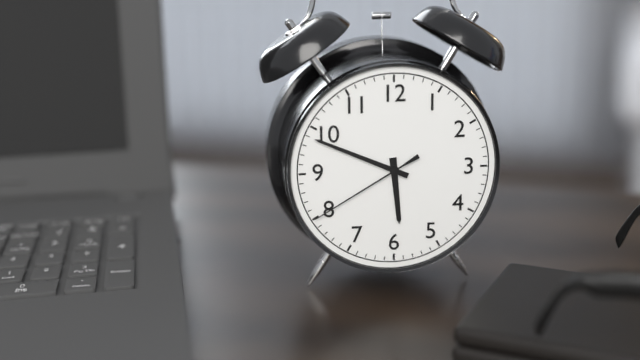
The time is **5:49:40**
